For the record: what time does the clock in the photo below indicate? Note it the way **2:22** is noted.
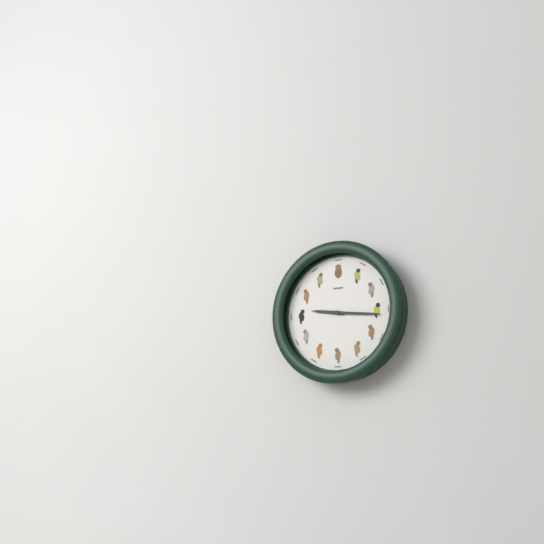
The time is **9:16**
